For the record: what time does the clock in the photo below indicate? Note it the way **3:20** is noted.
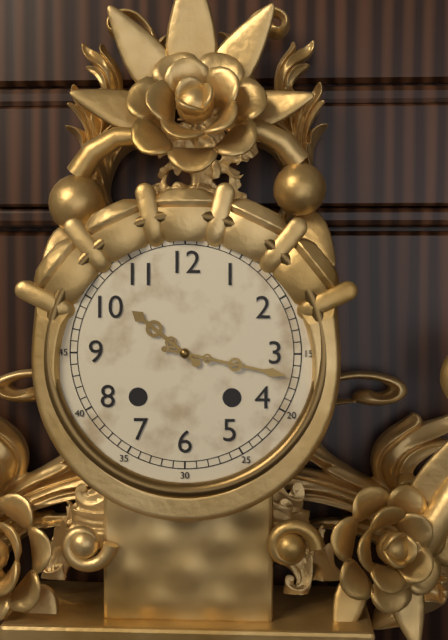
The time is **10:17**
